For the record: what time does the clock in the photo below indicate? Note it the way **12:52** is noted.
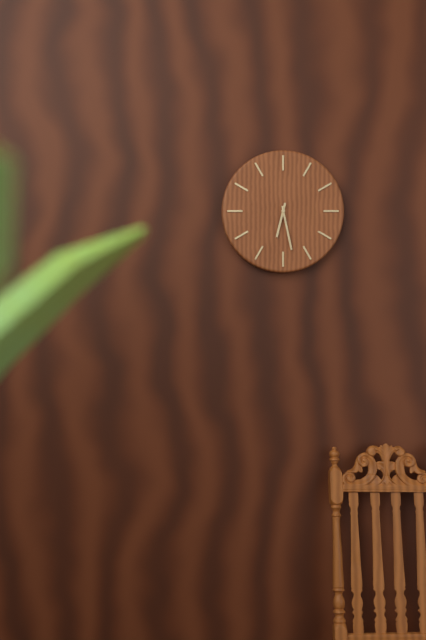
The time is **6:28**
